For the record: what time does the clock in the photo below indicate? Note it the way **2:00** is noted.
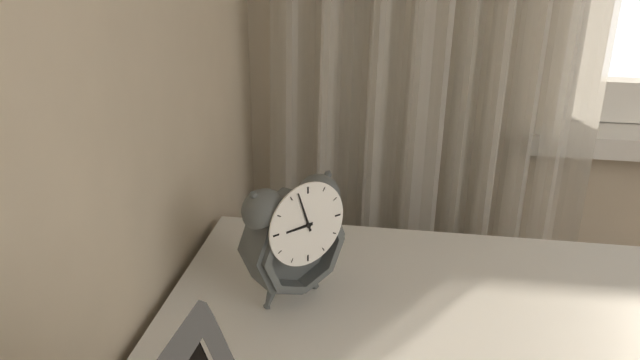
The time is **8:57**
